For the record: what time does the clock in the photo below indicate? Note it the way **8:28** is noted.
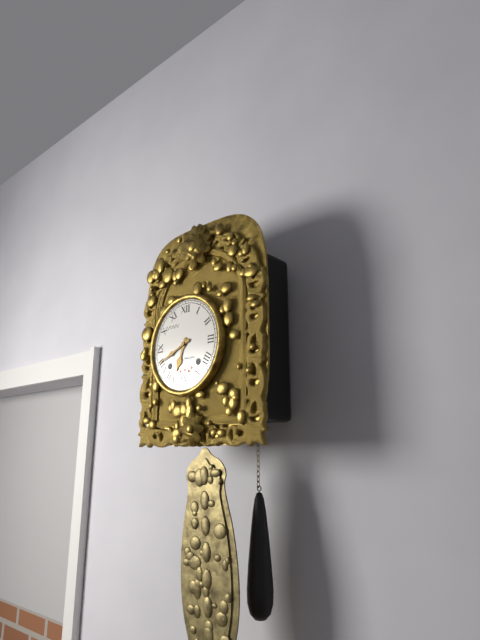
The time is **6:41**
